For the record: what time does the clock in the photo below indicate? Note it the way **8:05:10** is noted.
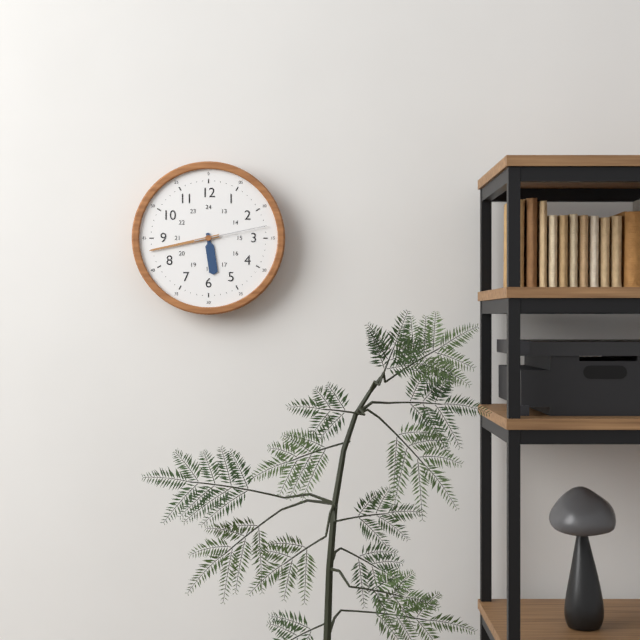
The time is **5:43:13**
